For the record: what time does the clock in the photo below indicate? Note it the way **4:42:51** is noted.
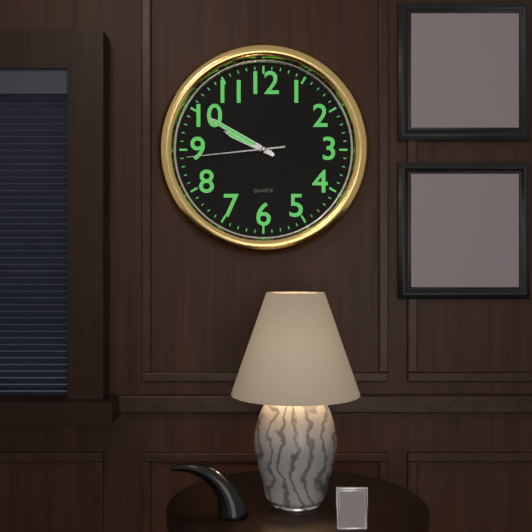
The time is **9:50:44**
